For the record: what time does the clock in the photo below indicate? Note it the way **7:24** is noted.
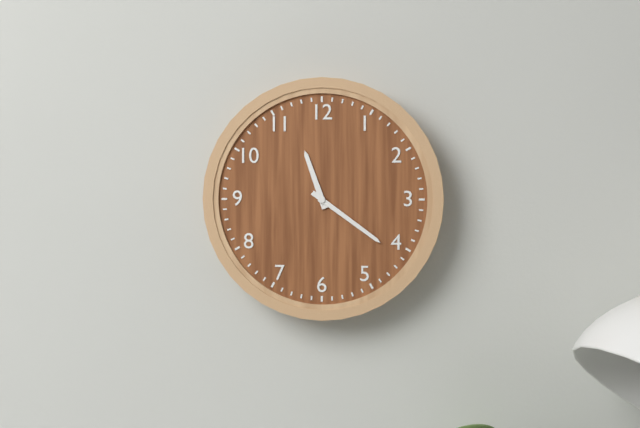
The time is **11:21**
